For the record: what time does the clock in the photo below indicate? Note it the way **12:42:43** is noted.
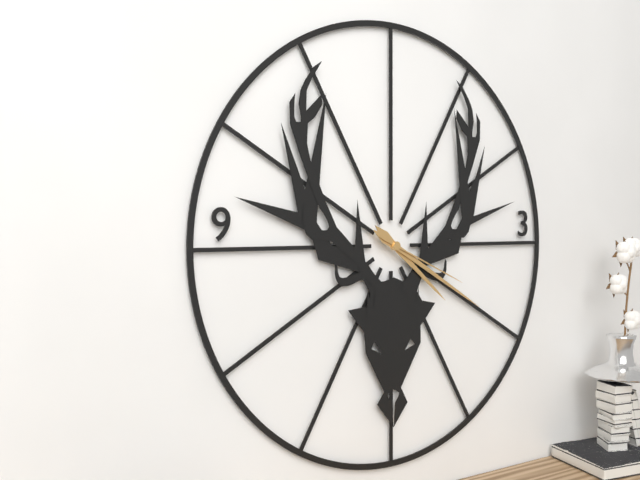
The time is **4:20:19**
